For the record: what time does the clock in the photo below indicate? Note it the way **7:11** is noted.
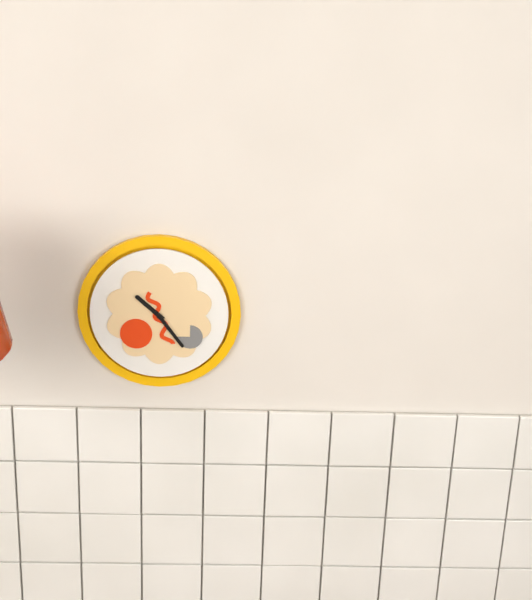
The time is **10:24**
